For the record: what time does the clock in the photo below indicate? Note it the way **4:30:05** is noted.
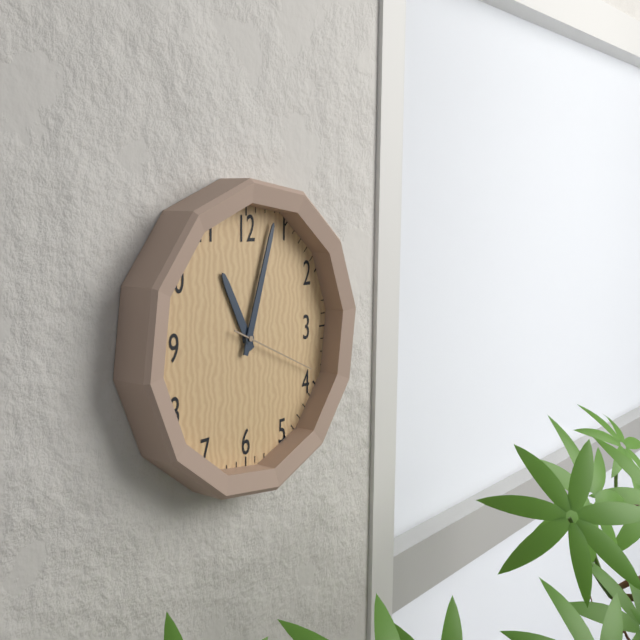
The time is **11:03:19**
